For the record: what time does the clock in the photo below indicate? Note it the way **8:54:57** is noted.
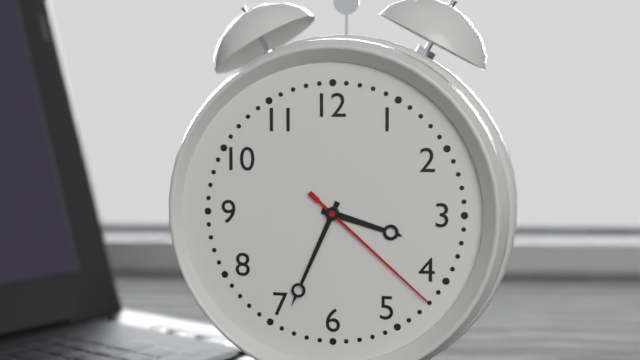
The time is **3:34:22**
